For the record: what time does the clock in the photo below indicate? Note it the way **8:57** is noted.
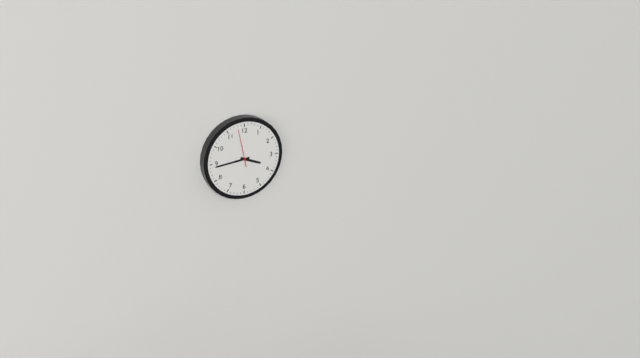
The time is **3:44**
